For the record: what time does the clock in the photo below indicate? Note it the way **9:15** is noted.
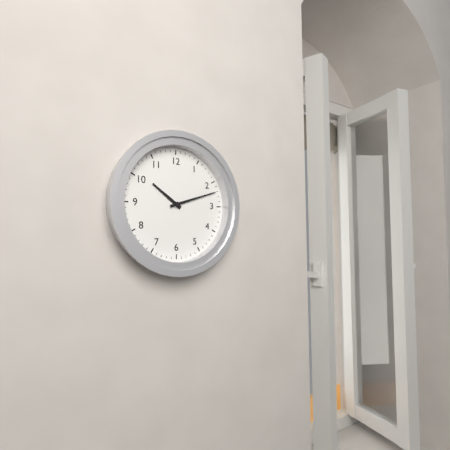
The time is **10:12**
